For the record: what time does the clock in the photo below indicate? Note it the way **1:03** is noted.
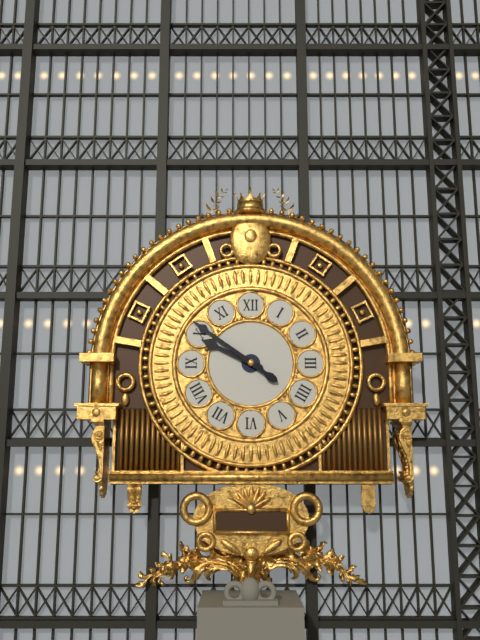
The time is **9:51**
